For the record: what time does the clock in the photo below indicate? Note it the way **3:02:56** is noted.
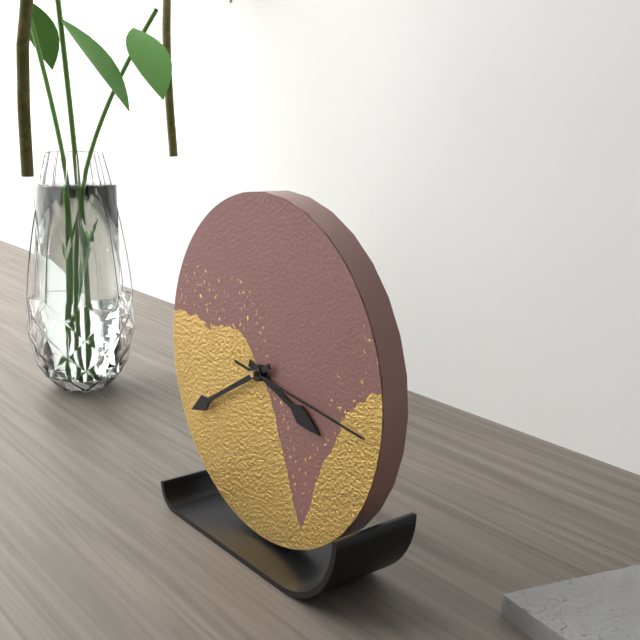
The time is **3:40:16**
